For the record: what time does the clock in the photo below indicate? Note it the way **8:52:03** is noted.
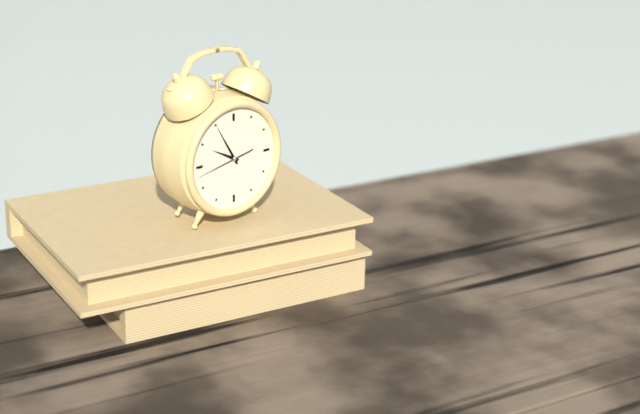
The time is **9:55:43**
